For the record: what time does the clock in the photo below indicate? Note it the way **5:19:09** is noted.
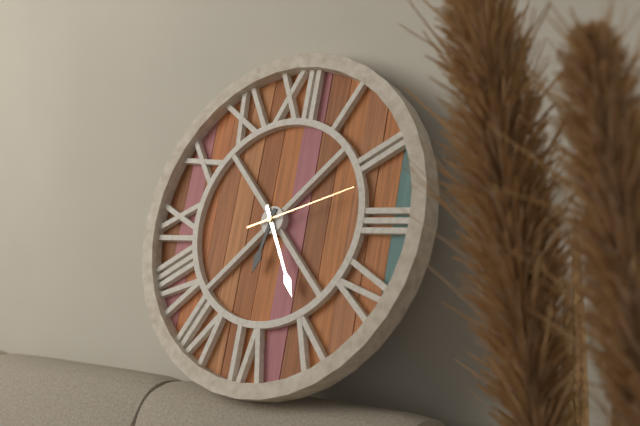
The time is **6:25:12**
